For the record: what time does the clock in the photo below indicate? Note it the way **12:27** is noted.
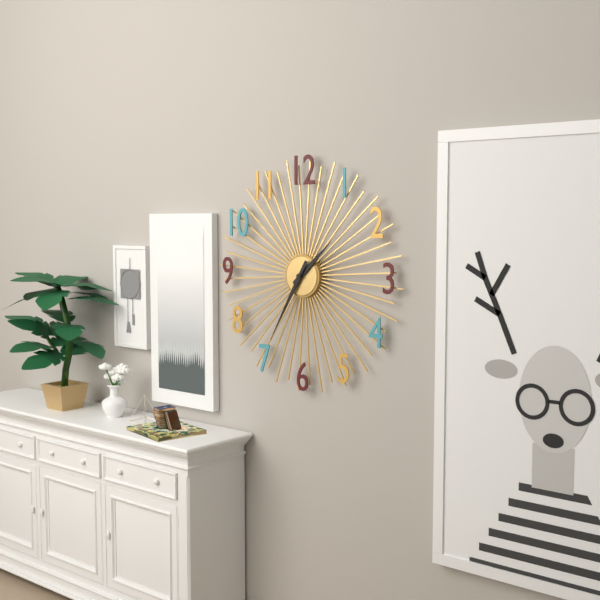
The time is **1:35**
